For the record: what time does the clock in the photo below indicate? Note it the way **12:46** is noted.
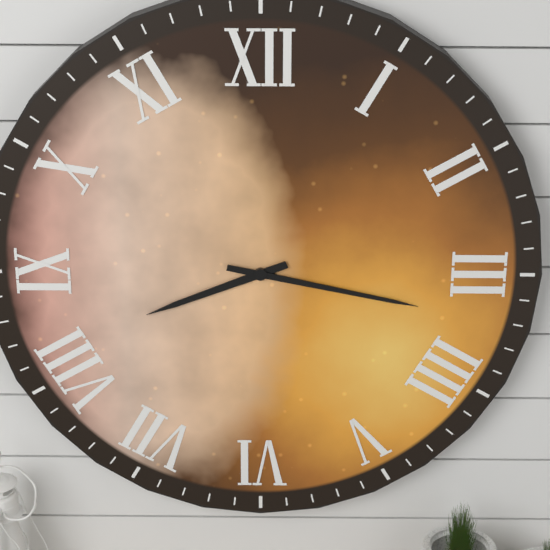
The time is **8:17**
